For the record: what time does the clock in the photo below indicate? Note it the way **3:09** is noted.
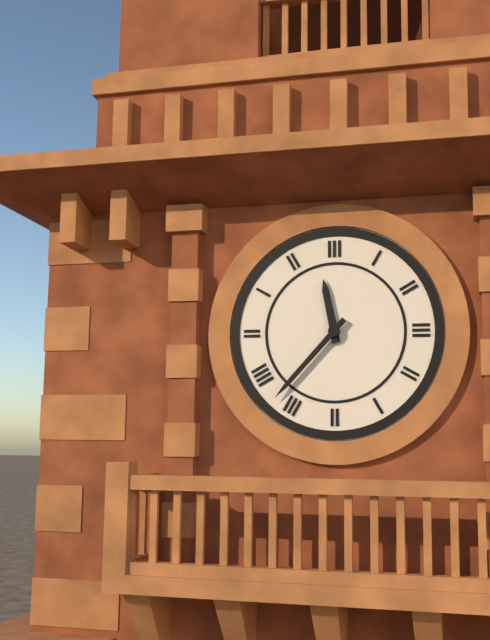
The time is **11:37**
